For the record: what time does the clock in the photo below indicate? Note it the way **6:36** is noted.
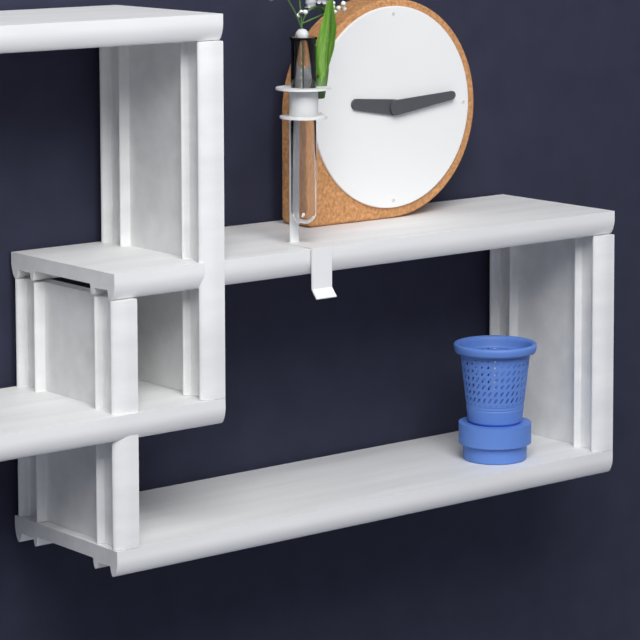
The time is **9:14**
